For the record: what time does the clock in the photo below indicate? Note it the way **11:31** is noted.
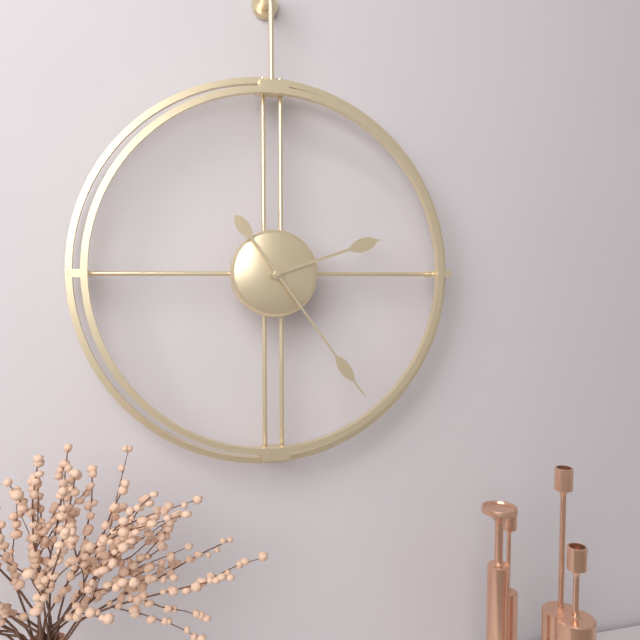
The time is **2:24**
